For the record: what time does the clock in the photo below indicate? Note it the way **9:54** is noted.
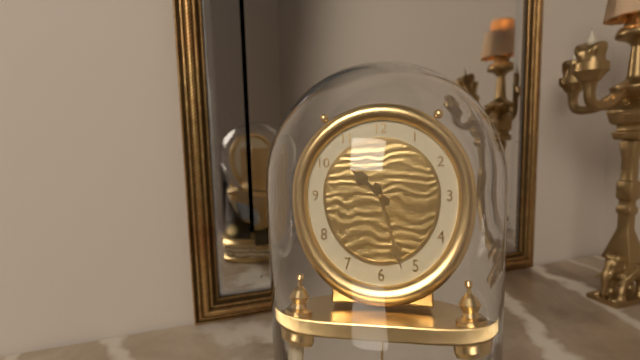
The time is **10:27**
